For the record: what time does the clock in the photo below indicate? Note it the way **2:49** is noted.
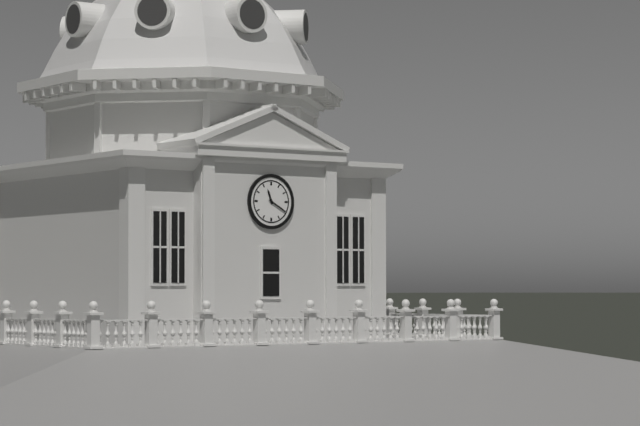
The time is **11:20**
